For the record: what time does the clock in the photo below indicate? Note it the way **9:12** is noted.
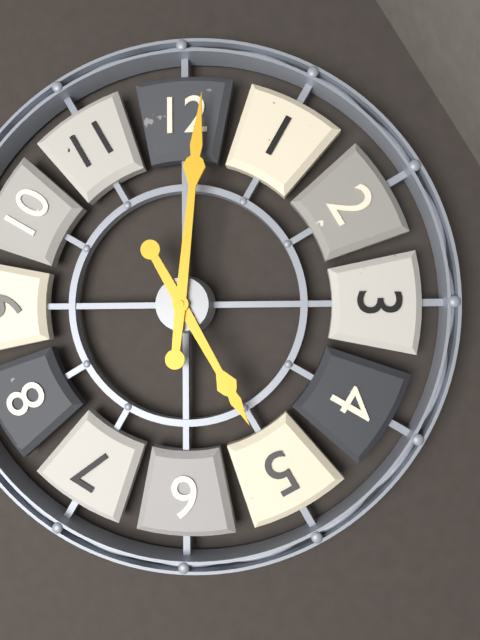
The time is **5:01**
